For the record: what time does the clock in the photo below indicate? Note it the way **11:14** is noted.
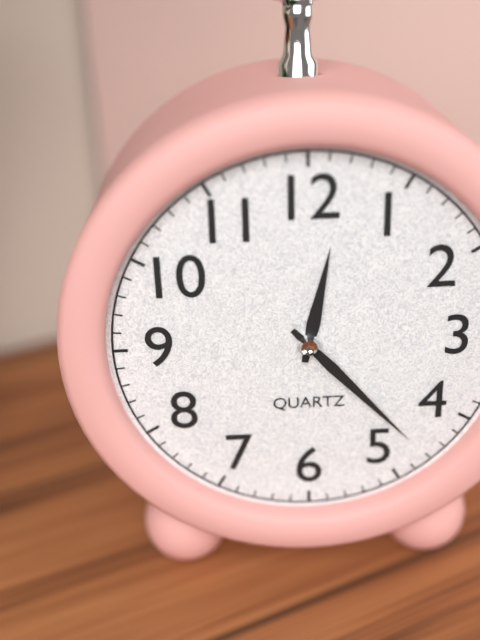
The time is **12:23**
